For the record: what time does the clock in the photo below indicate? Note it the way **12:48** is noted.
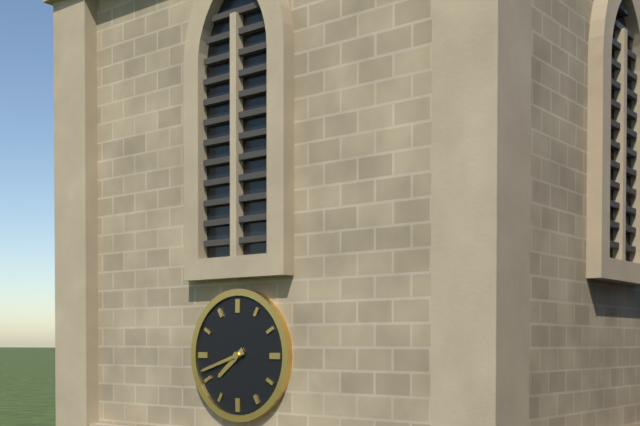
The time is **7:42**
